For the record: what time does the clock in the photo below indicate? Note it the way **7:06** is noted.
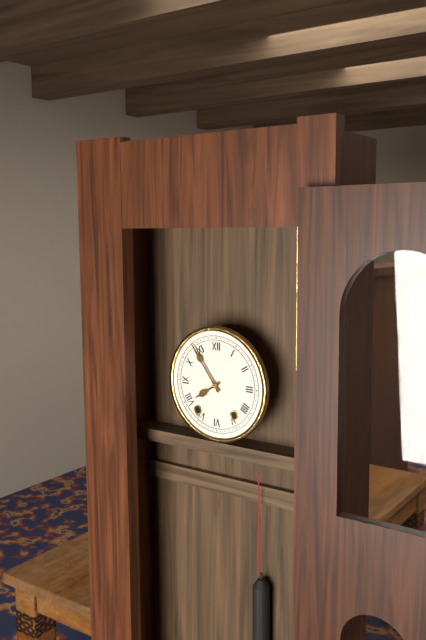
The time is **7:54**
